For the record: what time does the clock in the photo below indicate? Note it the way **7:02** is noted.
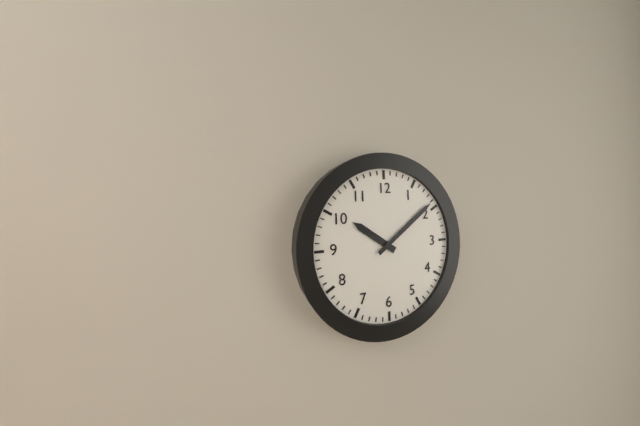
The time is **10:09**
